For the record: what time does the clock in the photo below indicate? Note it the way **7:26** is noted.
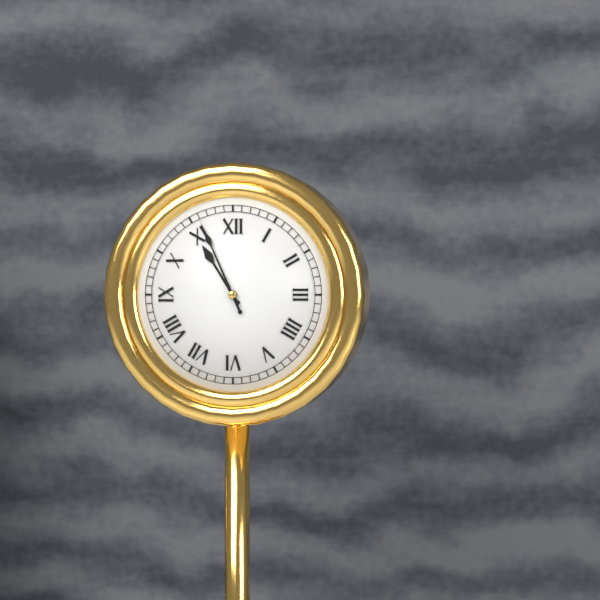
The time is **10:56**
